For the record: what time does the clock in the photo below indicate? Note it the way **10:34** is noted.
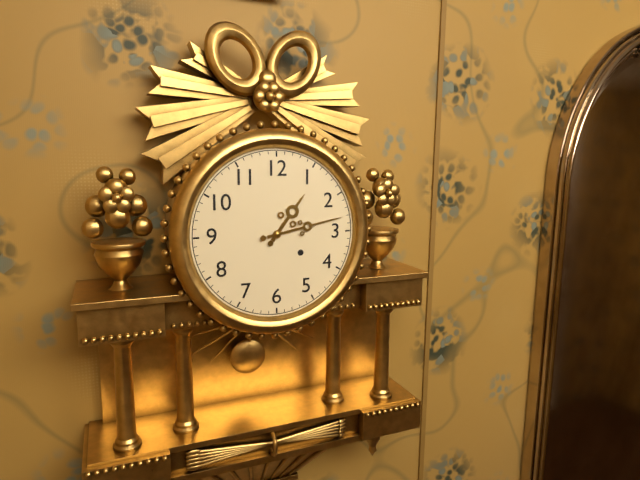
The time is **1:13**
